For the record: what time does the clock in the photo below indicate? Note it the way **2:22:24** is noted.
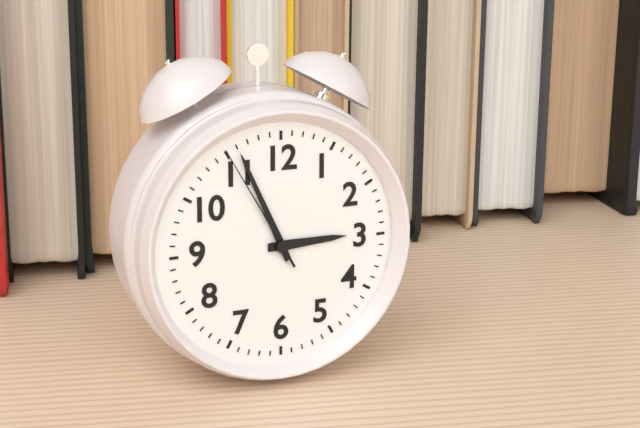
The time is **2:56:55**
